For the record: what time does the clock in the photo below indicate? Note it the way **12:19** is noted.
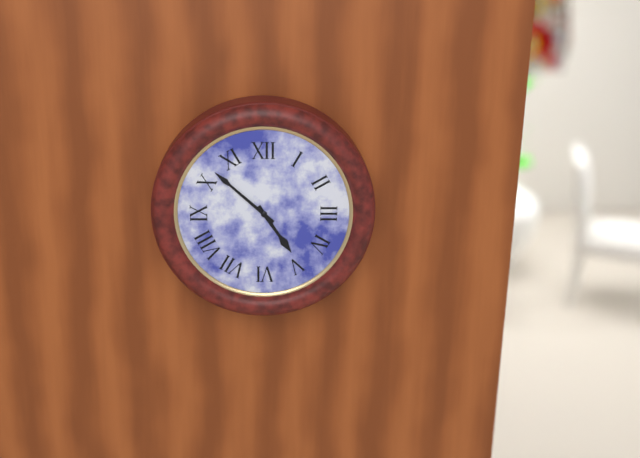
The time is **4:52**
